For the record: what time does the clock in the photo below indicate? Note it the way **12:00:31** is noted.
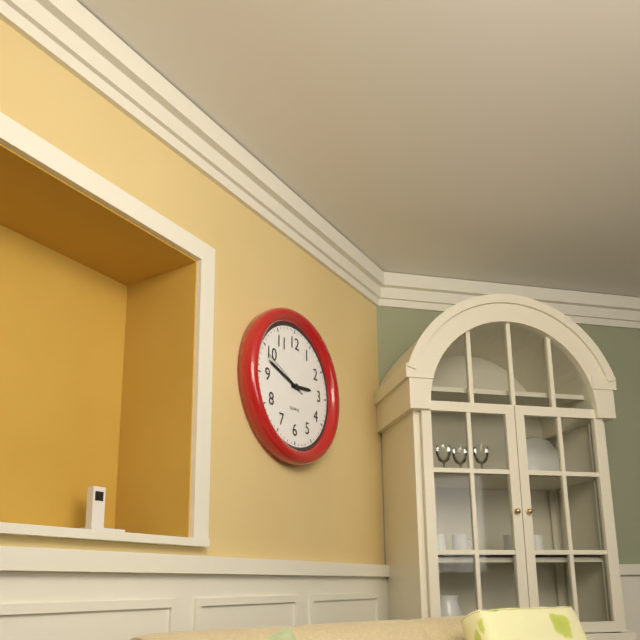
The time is **2:48:49**
